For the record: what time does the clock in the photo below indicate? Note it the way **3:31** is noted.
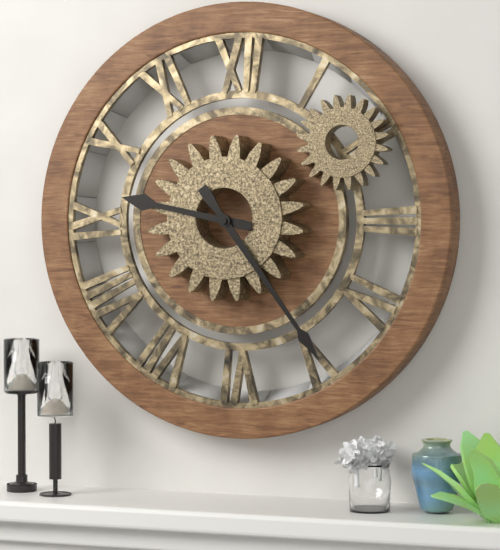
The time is **9:24**
